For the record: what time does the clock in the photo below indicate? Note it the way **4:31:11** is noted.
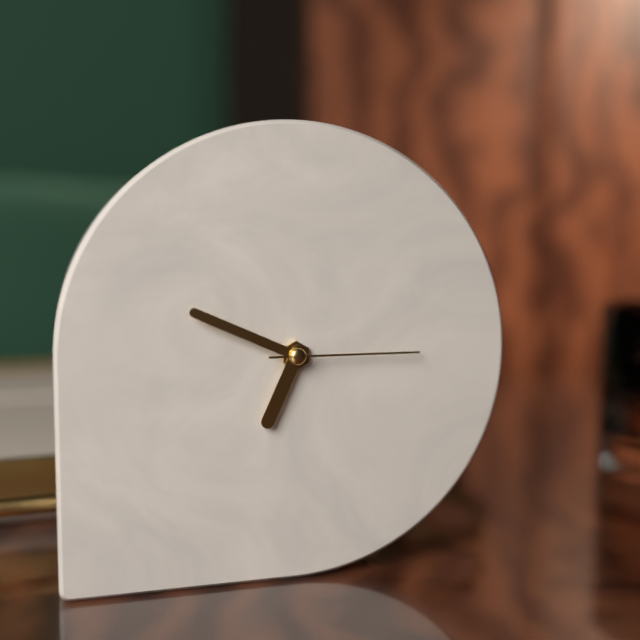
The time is **6:49:15**
